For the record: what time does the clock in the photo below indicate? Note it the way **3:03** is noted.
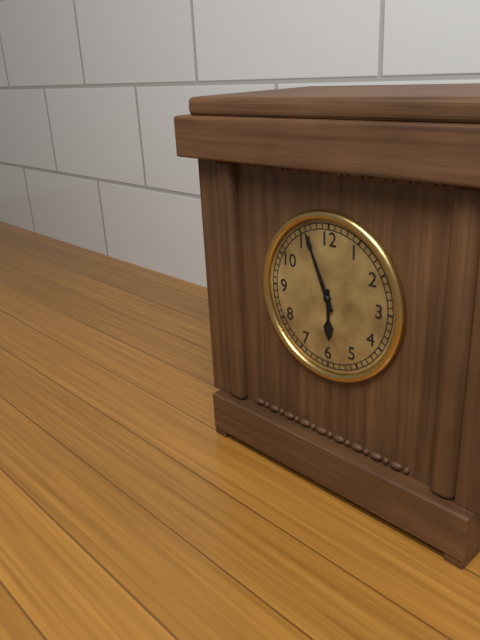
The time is **5:56**
